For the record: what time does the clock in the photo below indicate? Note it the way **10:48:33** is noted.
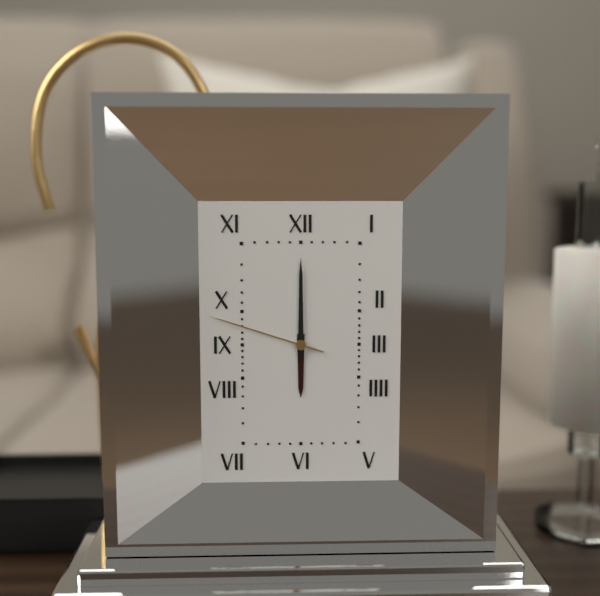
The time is **6:00:48**
